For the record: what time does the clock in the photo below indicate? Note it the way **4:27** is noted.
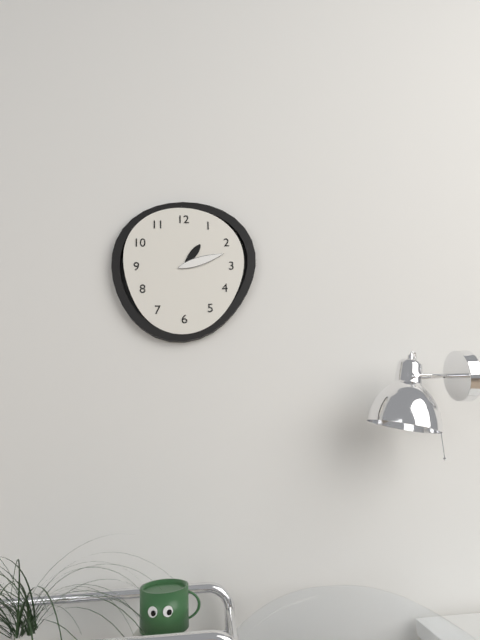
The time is **1:12**
